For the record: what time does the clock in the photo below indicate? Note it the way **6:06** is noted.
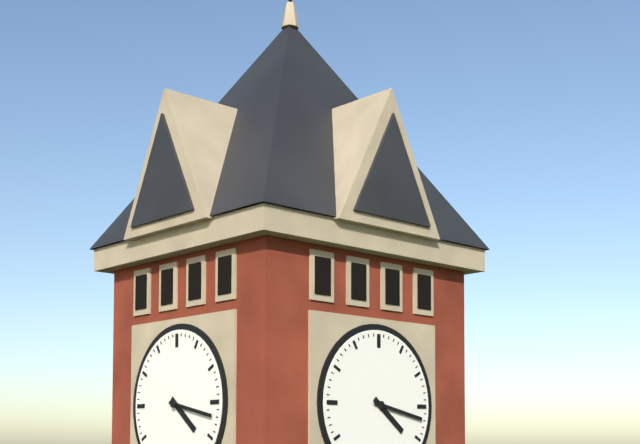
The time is **4:17**
